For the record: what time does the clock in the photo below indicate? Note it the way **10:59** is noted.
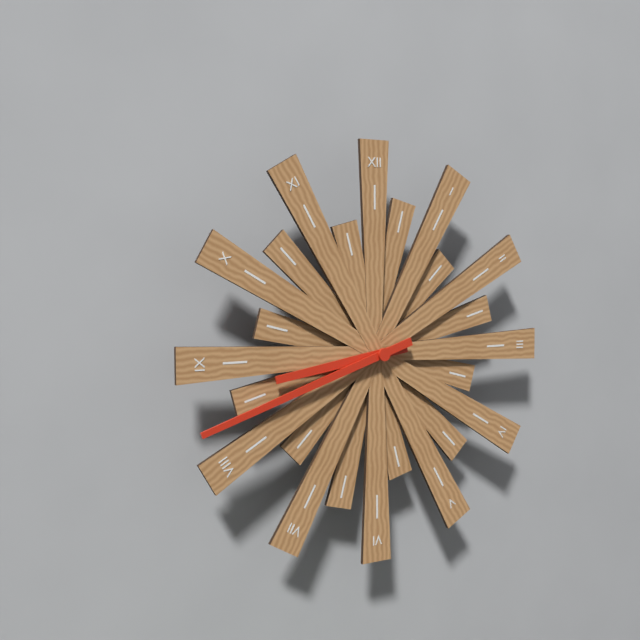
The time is **8:42**
